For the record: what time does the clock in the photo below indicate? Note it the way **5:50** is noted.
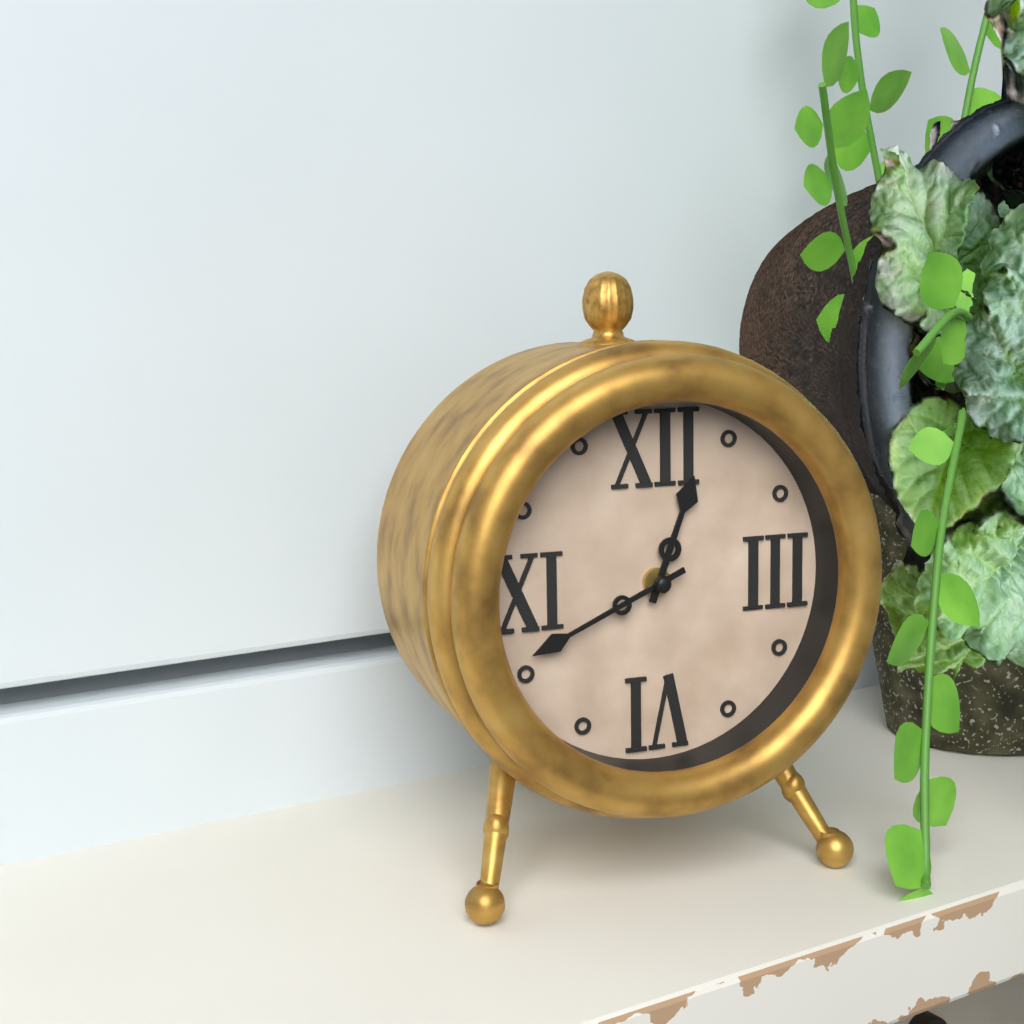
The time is **12:41**
